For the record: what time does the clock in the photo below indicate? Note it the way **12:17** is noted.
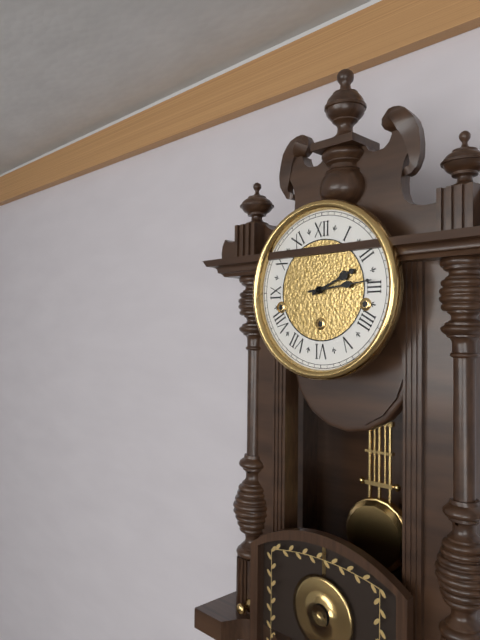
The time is **2:14**
